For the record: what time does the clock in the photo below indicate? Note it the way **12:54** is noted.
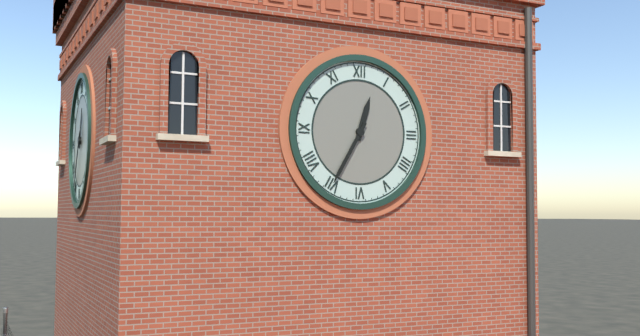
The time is **12:35**
